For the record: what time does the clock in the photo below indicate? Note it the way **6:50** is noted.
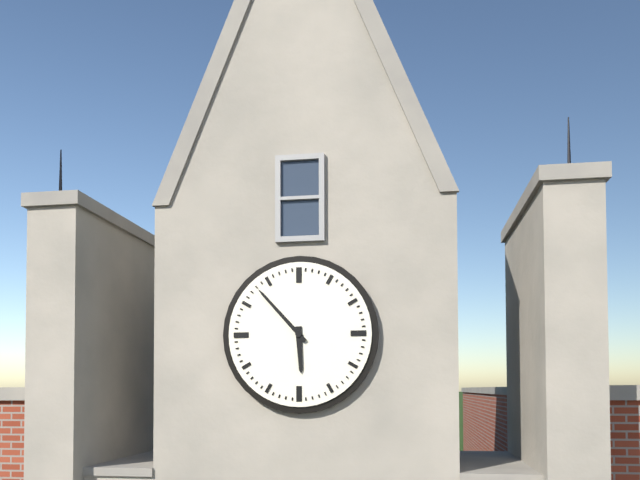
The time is **5:53**
